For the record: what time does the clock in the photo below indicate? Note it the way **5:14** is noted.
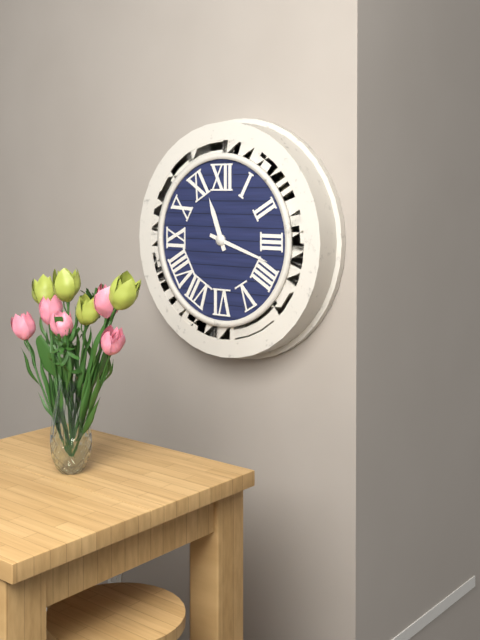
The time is **11:18**
